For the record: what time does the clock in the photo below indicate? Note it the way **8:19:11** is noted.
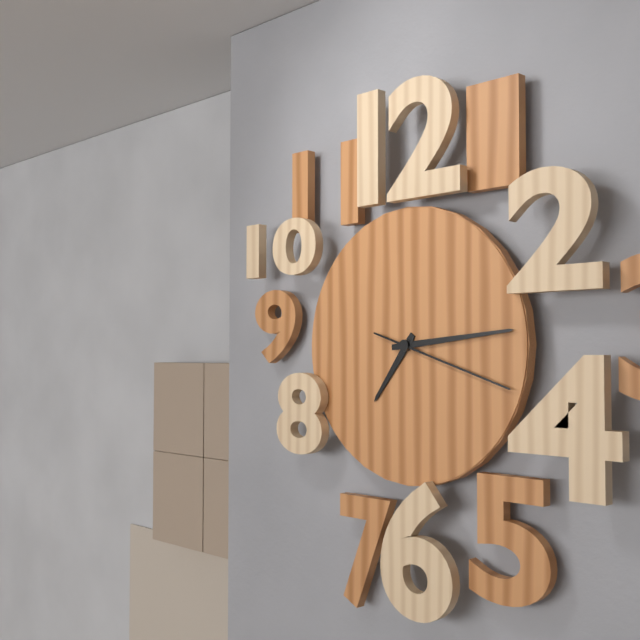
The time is **7:14:18**
